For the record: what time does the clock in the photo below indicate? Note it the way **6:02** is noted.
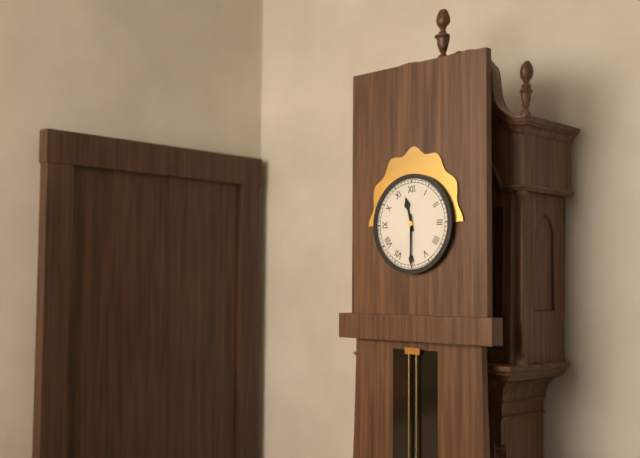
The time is **11:30**
